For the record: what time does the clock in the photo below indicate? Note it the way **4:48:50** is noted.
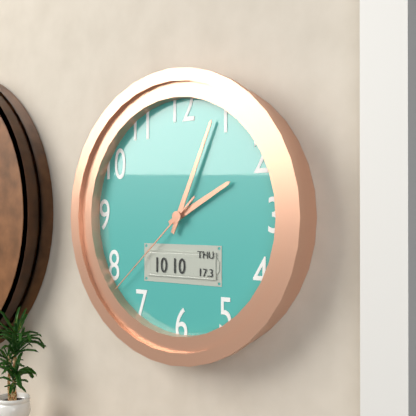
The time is **2:04:38**
